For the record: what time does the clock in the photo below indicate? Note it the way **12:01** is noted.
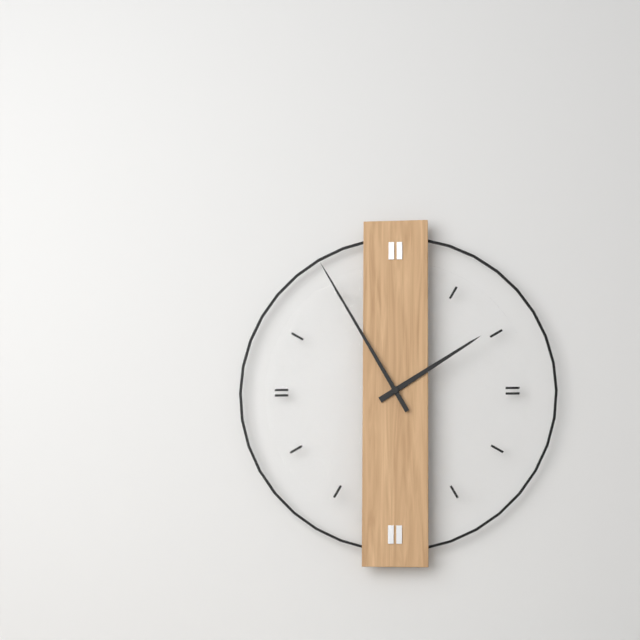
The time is **1:55**
